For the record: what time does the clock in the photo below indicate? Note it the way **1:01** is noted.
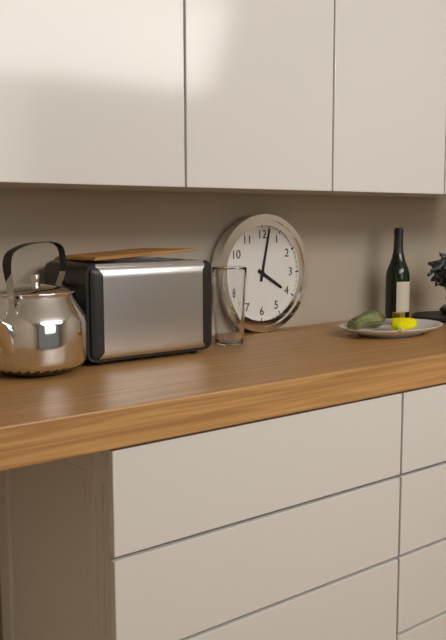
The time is **4:02**
